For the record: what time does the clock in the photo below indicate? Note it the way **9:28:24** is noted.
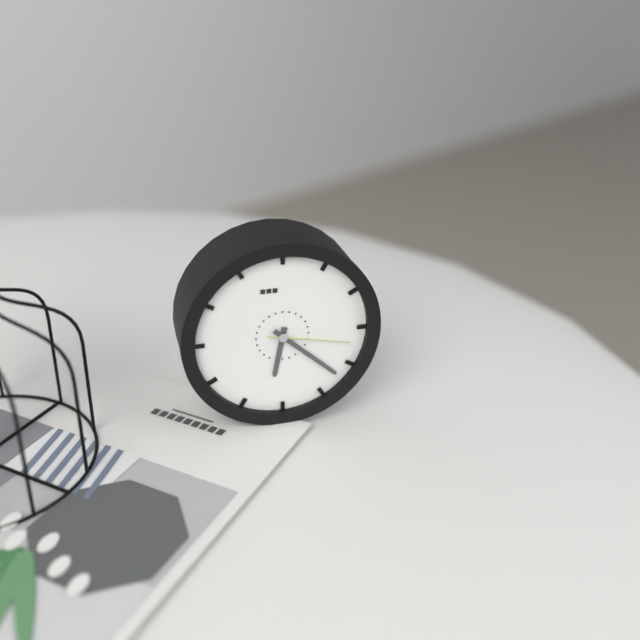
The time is **6:22:17**
